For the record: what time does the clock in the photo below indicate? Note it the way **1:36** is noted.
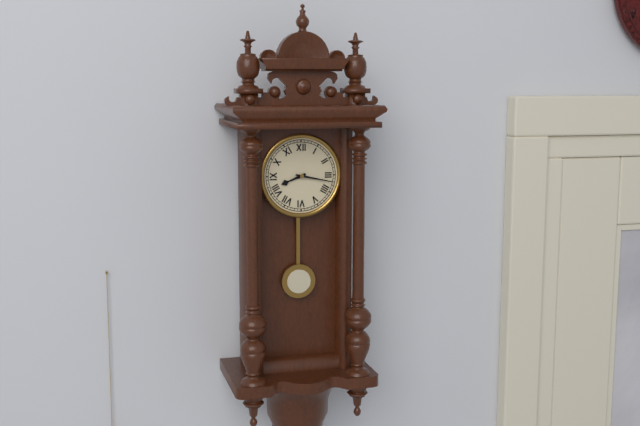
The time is **8:17**
